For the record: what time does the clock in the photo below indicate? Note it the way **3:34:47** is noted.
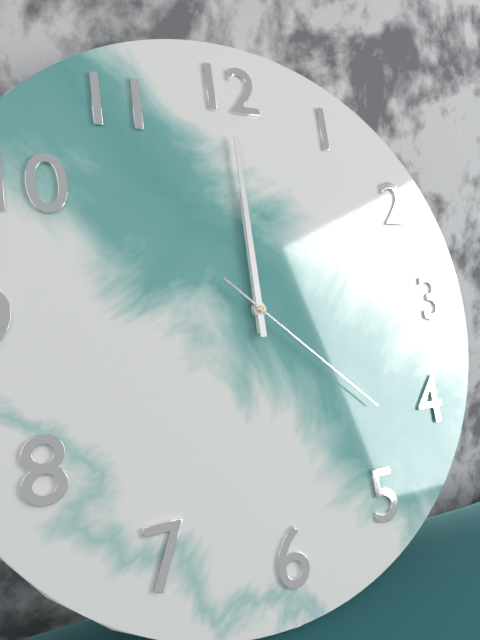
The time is **12:00:22**
